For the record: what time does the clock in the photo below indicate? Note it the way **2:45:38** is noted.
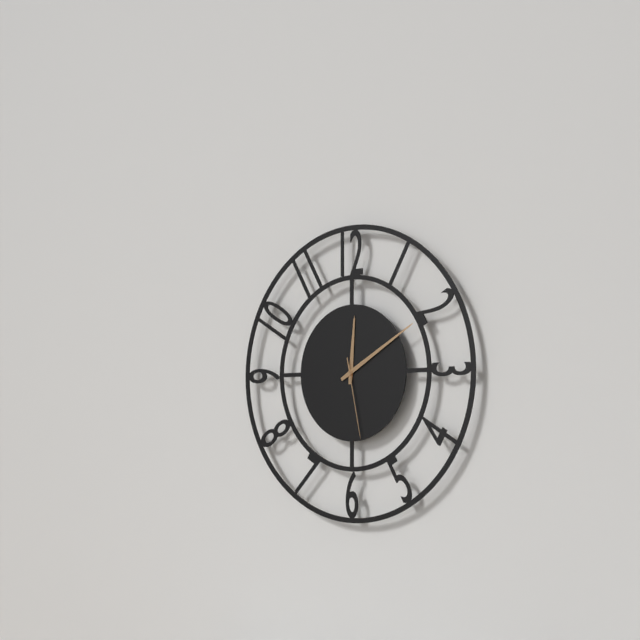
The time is **12:10:28**
